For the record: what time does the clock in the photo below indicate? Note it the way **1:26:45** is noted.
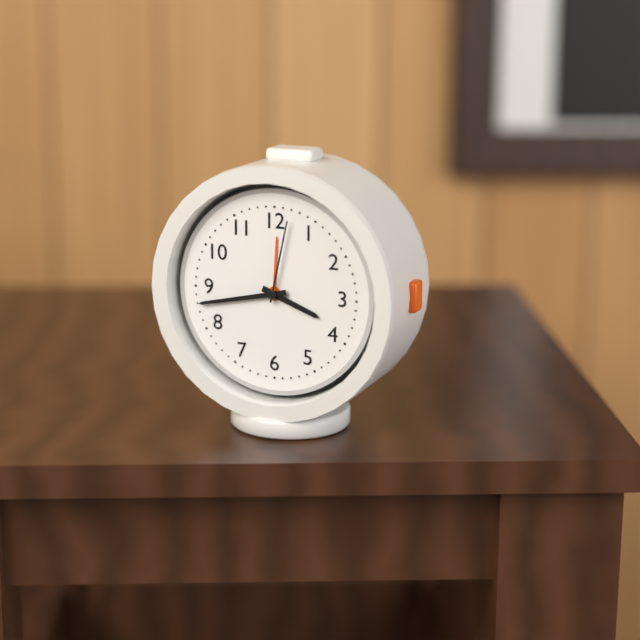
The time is **3:43:02**
